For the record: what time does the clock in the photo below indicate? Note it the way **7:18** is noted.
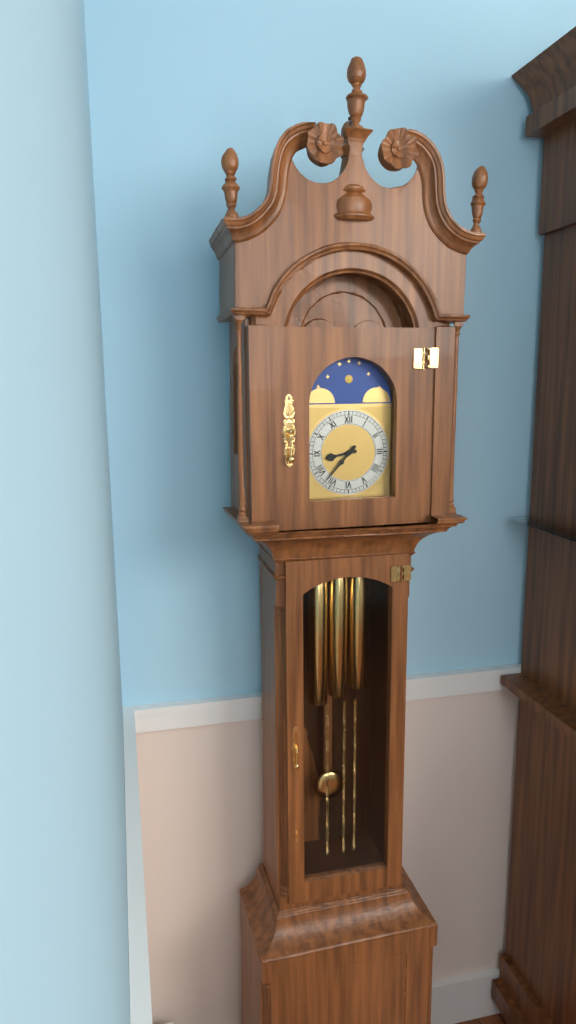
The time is **8:37**
